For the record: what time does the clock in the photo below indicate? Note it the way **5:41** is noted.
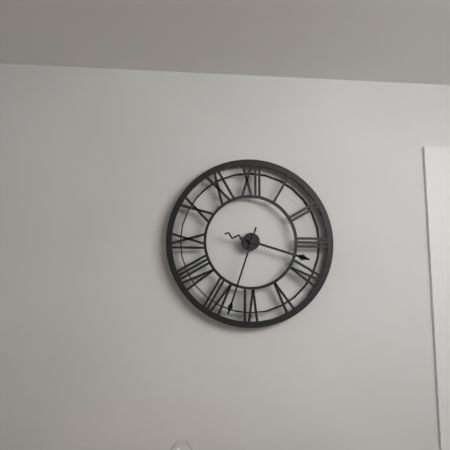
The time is **3:33**
